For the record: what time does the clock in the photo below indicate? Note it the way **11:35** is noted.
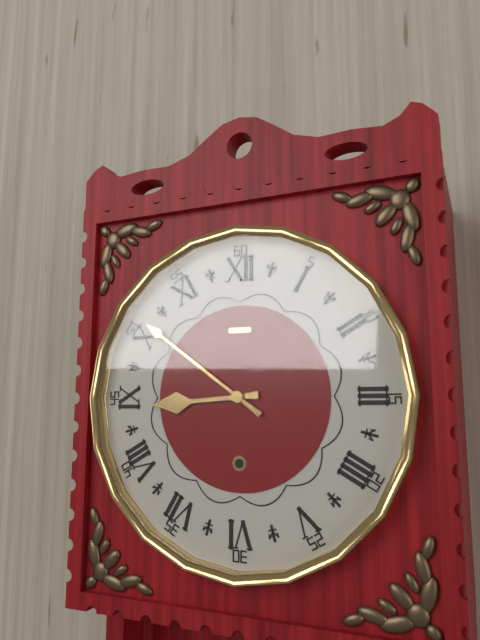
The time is **8:51**
